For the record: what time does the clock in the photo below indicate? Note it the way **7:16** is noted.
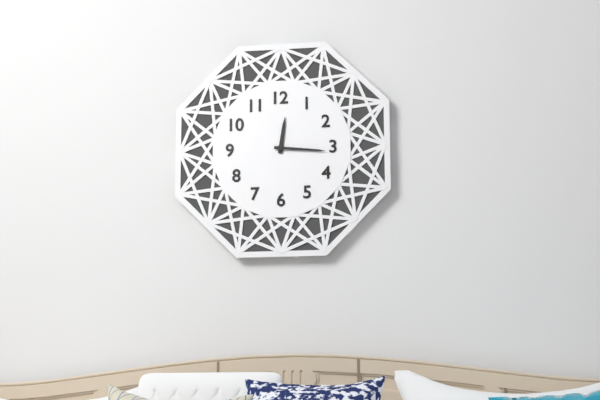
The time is **12:16**
